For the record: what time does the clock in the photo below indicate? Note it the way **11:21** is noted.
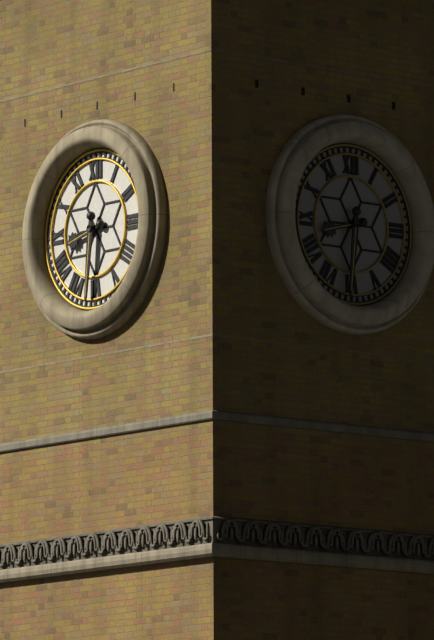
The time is **8:31**
